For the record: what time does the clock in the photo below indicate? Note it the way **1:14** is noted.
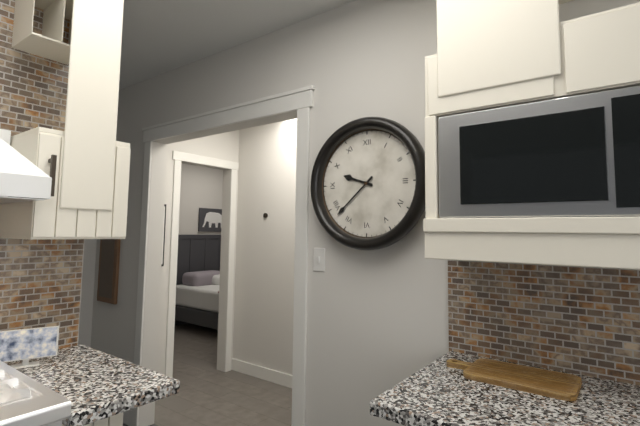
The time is **9:38**
